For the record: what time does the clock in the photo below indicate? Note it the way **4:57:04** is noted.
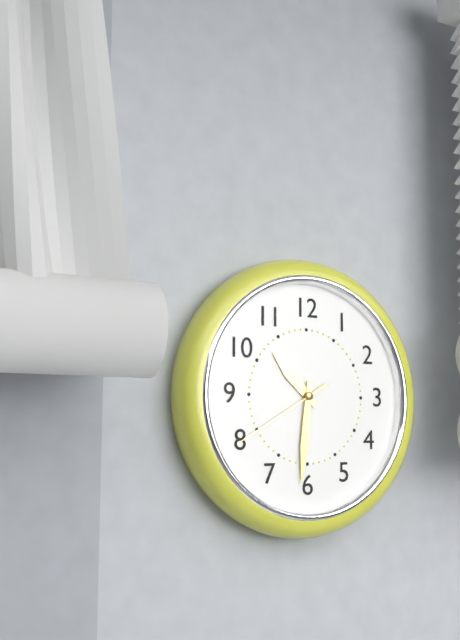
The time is **10:31:40**
